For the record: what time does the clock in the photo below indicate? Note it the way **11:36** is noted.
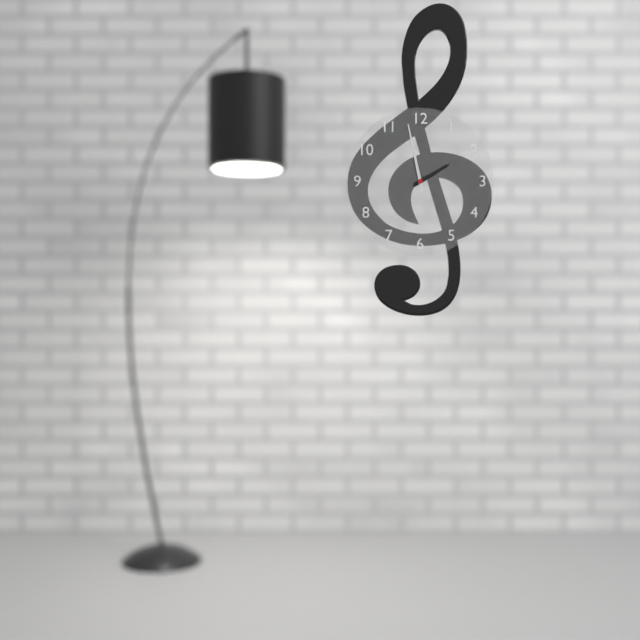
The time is **1:58**
